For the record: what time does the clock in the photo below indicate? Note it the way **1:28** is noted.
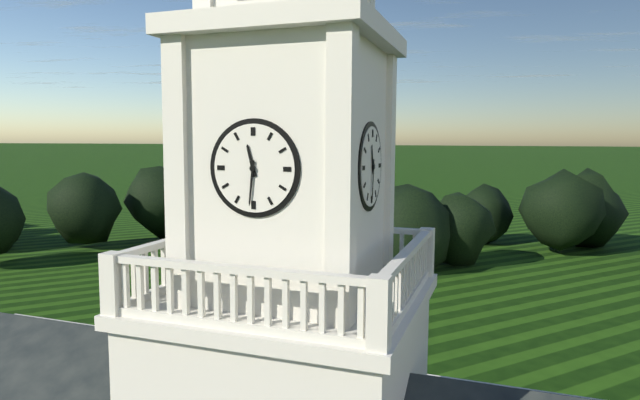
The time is **11:31**
